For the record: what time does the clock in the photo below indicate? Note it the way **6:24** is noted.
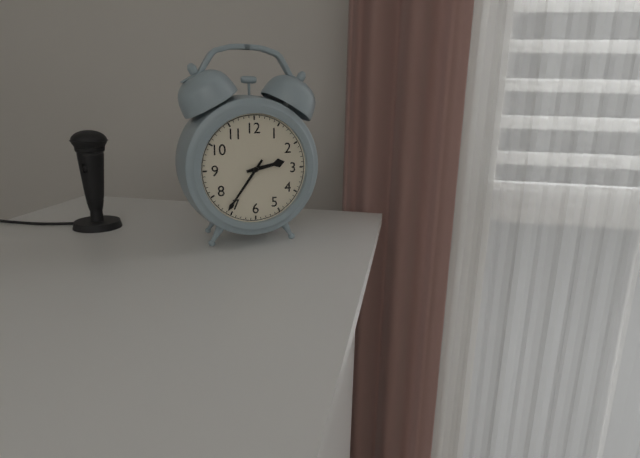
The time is **2:36**
